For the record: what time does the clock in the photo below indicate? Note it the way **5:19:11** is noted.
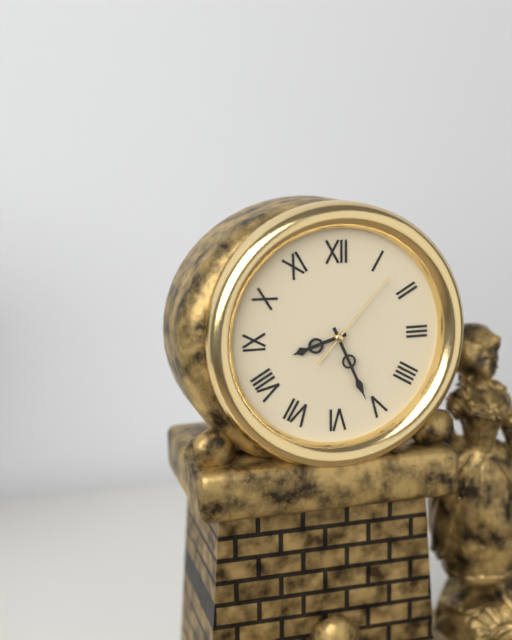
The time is **8:26:07**
